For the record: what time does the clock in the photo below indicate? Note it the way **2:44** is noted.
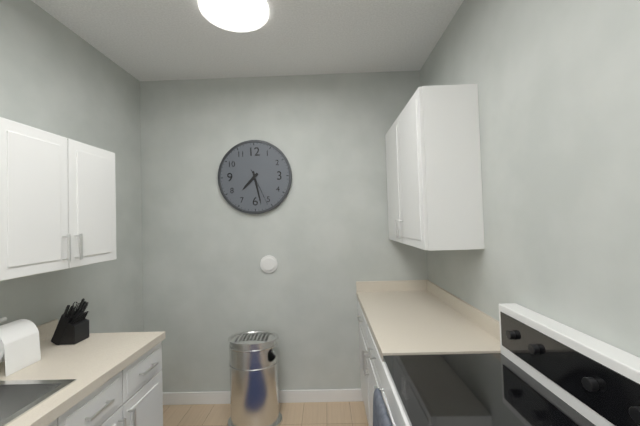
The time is **7:28**
